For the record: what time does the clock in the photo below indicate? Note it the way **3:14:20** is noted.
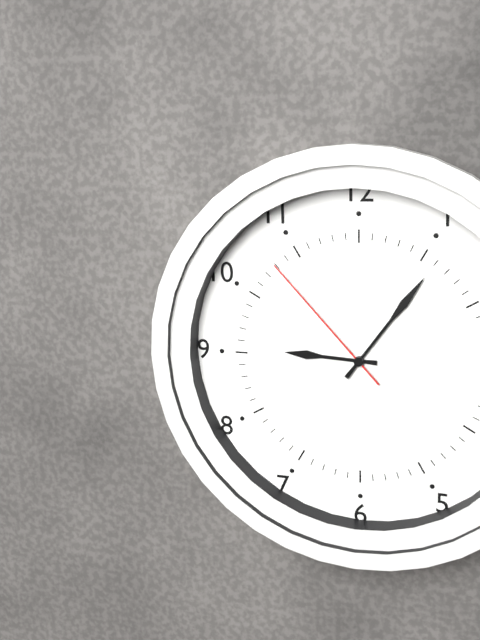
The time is **9:06:53**
